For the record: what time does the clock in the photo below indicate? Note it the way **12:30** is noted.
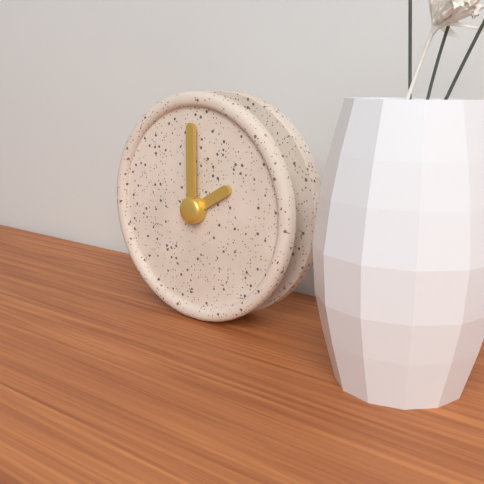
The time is **2:00**
